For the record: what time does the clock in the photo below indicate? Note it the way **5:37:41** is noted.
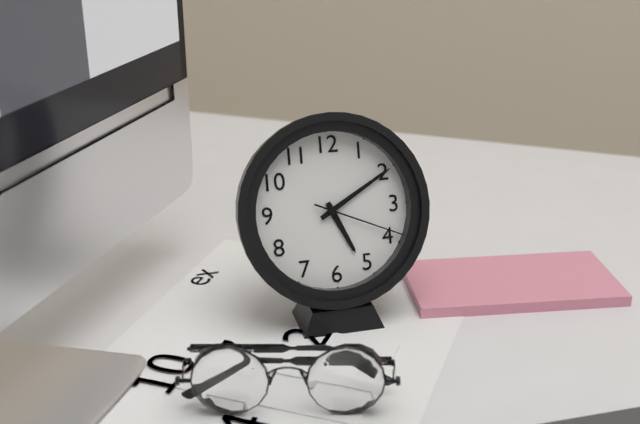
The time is **5:10:19**
